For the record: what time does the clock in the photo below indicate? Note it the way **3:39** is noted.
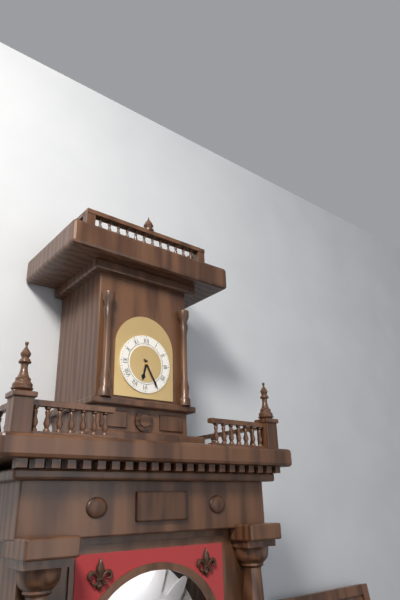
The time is **6:25**
